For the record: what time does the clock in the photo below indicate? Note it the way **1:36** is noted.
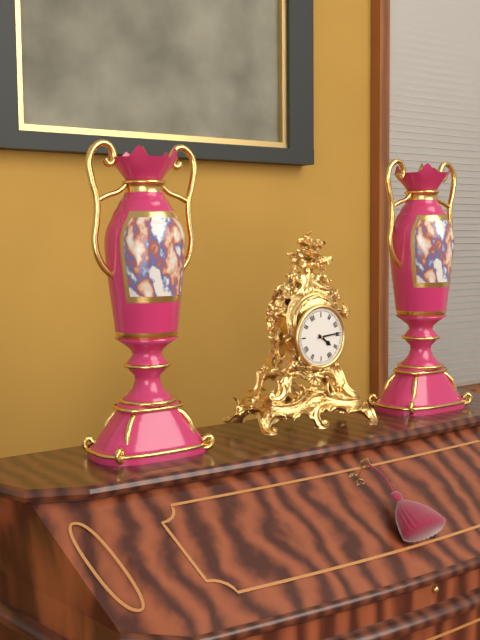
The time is **4:14**
